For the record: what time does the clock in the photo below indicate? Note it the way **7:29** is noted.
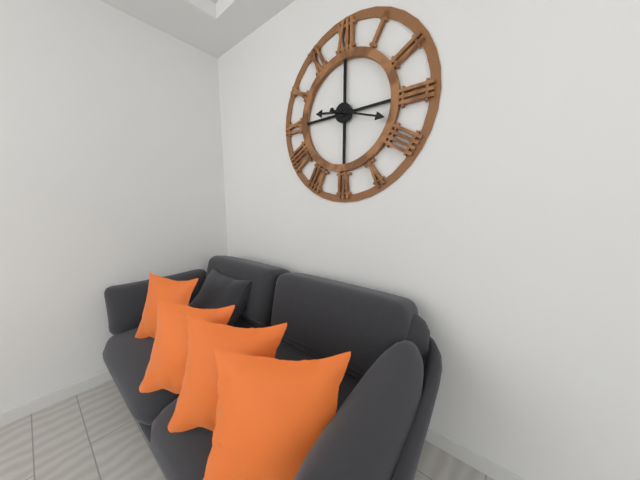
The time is **9:18**
